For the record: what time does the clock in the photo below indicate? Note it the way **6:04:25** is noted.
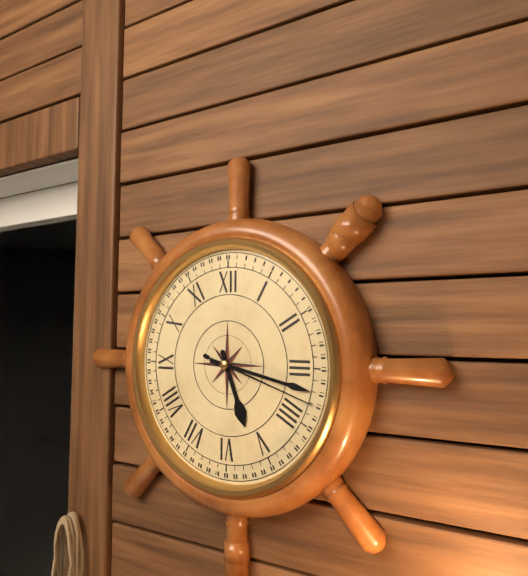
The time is **5:17:18**
